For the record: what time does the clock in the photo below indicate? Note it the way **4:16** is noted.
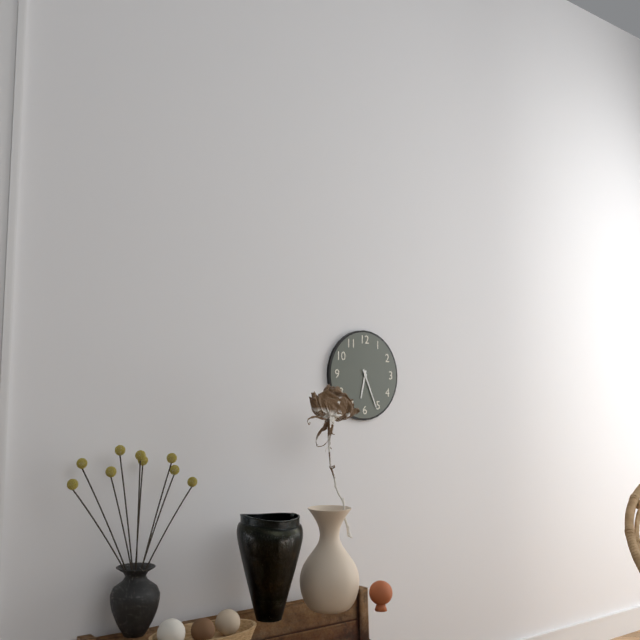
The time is **6:26**
